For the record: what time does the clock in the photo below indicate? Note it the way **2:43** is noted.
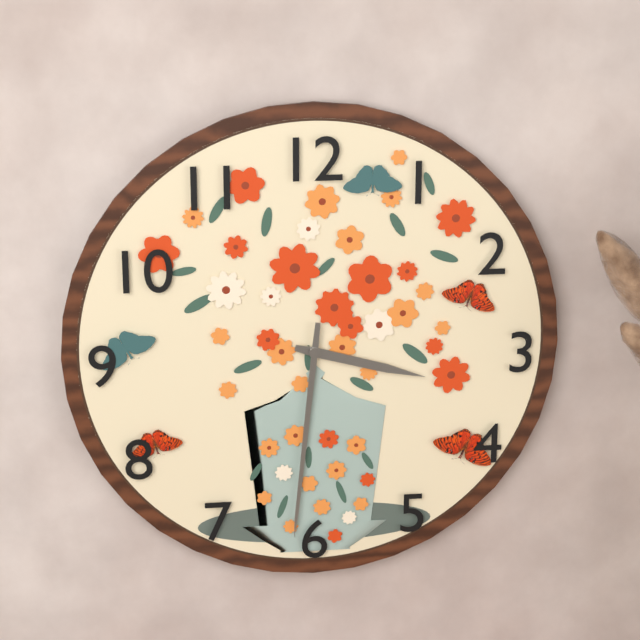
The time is **3:31**
